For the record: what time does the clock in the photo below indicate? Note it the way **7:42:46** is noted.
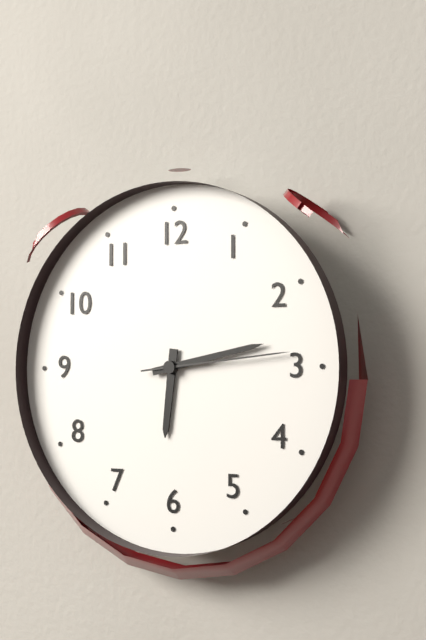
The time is **6:13:14**
